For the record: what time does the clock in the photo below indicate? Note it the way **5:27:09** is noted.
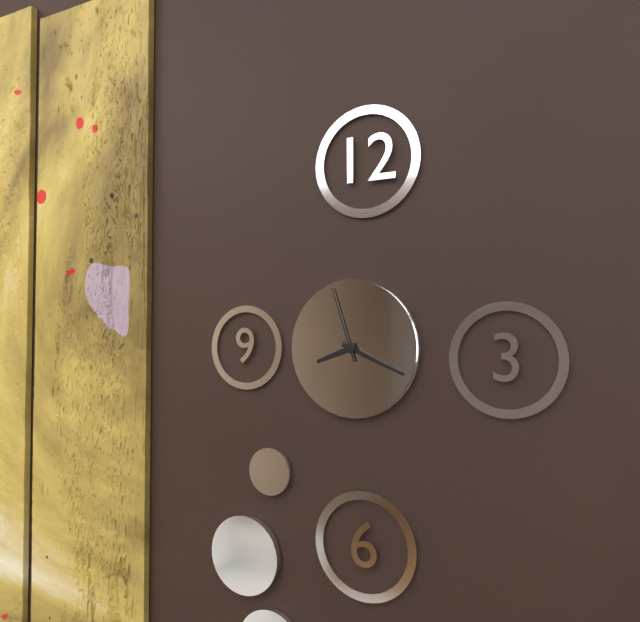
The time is **8:19:57**
